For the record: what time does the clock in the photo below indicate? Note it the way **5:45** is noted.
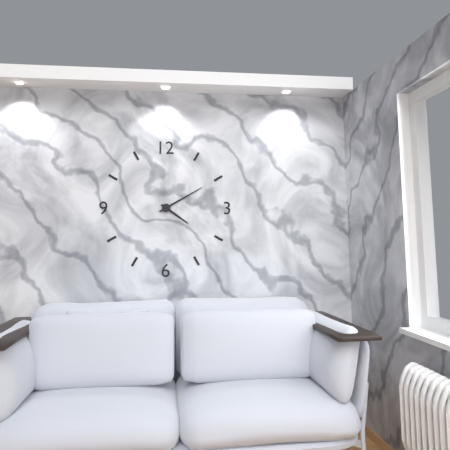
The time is **4:10**
